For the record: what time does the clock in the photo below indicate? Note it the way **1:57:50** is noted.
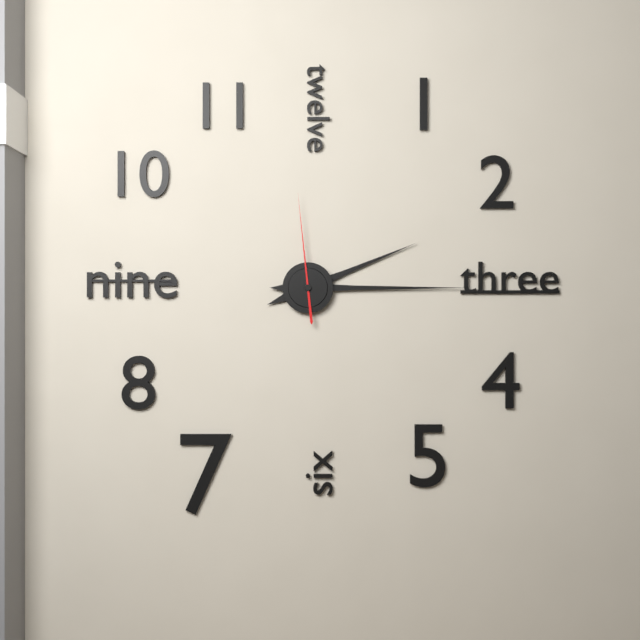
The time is **2:15:59**
